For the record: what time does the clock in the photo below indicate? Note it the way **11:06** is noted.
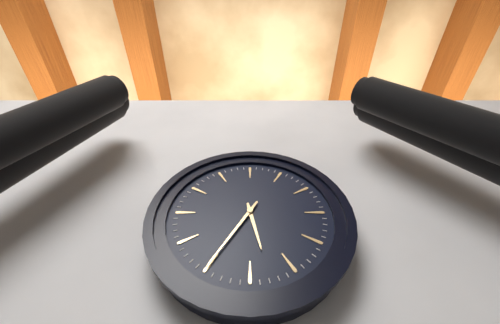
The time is **5:35**
